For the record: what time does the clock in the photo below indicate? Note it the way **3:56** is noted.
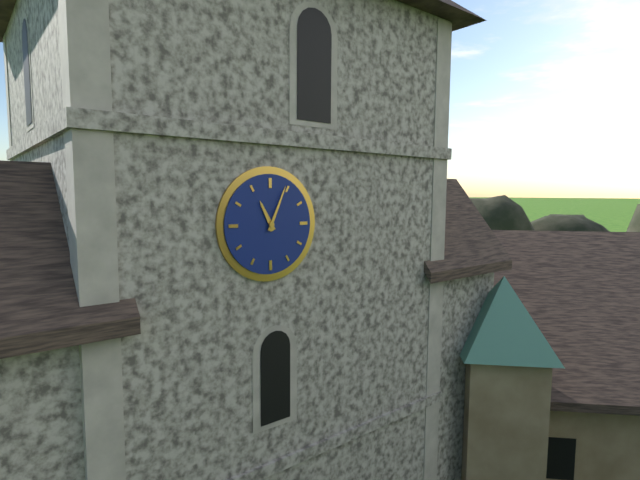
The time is **11:04**
